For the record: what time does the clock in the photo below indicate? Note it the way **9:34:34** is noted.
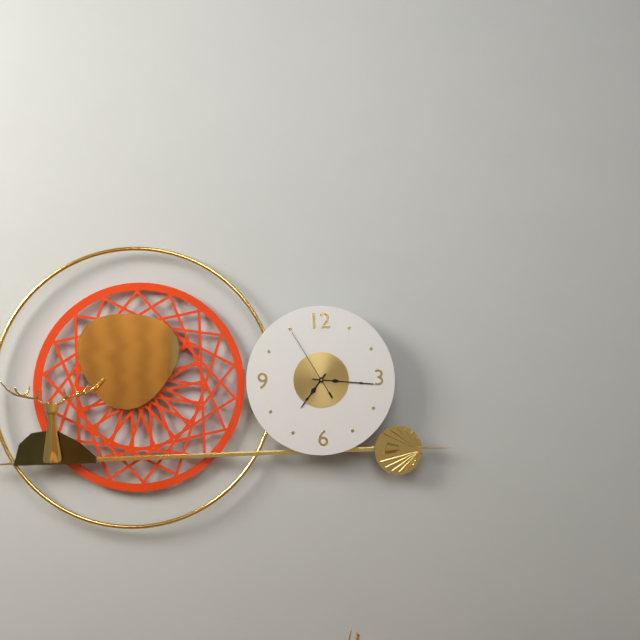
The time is **7:16:55**
